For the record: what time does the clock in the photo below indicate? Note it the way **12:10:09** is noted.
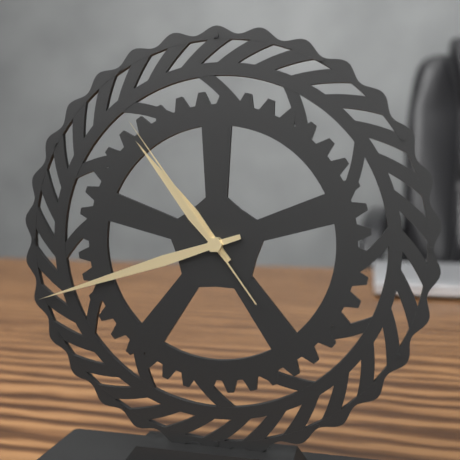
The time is **10:42:54**
